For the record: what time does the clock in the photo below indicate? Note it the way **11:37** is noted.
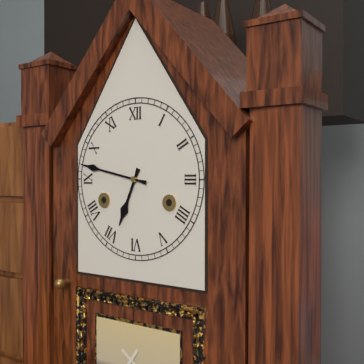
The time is **6:47**
